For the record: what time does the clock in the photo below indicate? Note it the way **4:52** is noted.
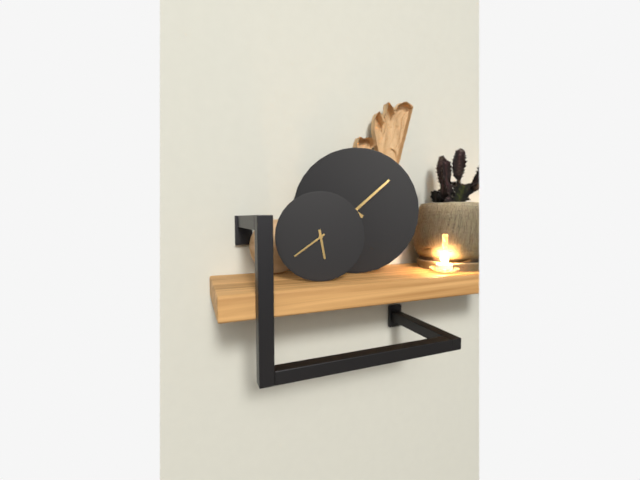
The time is **5:39**
